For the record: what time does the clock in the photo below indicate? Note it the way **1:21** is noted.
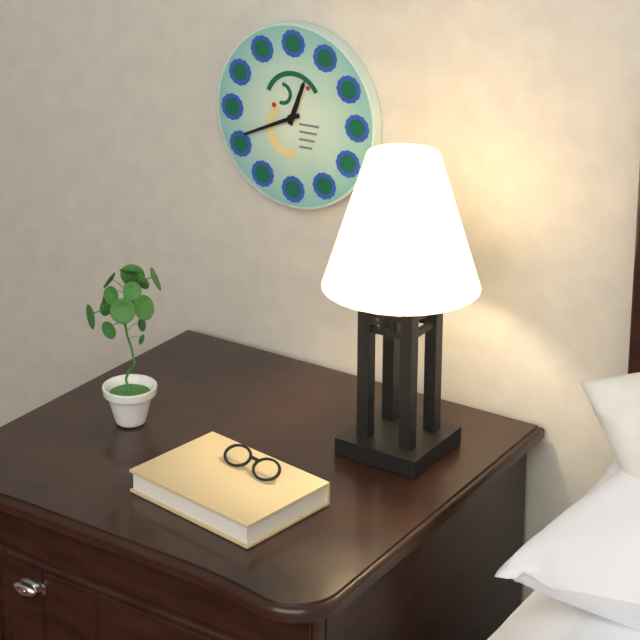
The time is **12:41**
